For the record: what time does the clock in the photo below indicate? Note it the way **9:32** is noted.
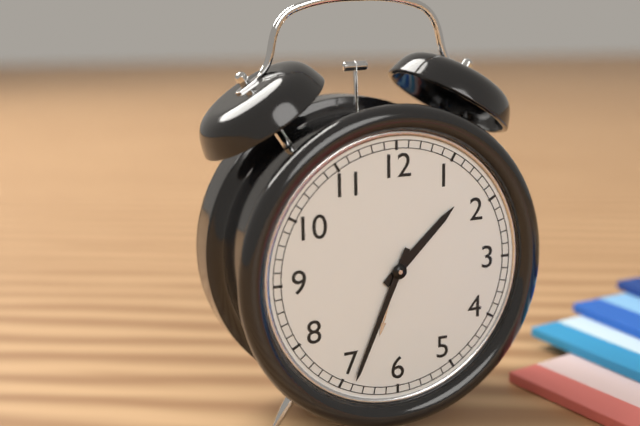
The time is **1:34**
